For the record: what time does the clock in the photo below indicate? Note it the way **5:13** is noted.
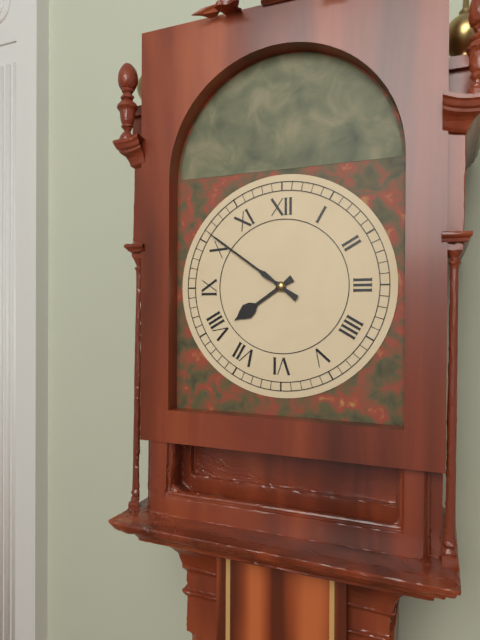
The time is **7:51**
